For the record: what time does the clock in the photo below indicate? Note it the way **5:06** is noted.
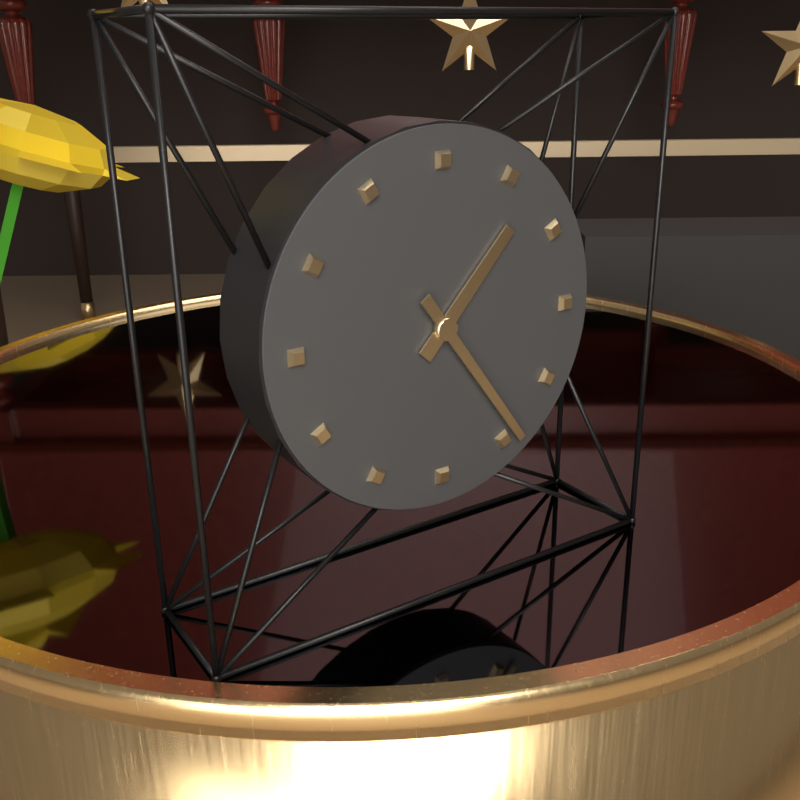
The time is **1:24**
